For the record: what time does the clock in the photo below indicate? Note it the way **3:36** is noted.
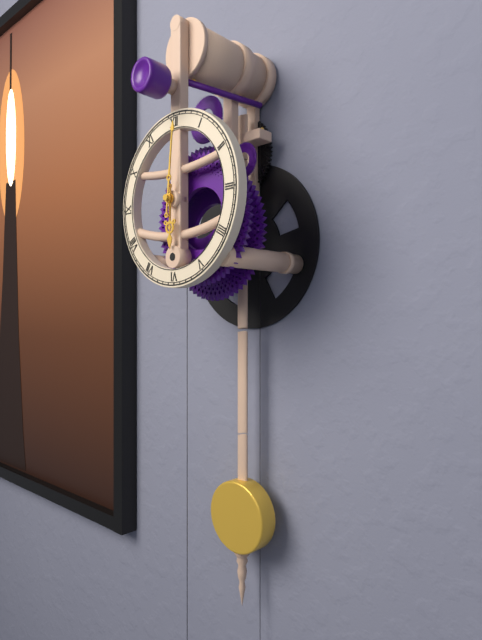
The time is **6:01**
